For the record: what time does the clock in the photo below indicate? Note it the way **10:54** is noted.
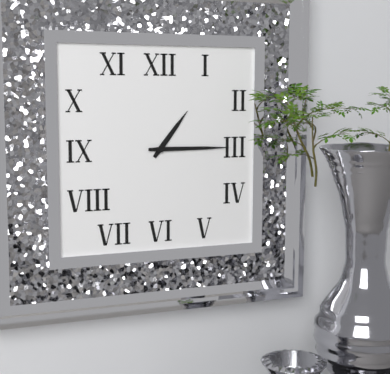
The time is **1:15**
